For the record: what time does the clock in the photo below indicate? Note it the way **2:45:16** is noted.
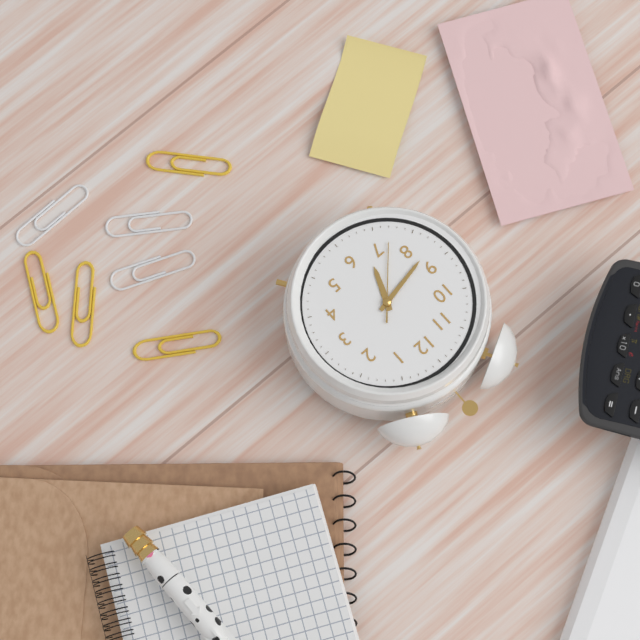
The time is **6:43:37**
